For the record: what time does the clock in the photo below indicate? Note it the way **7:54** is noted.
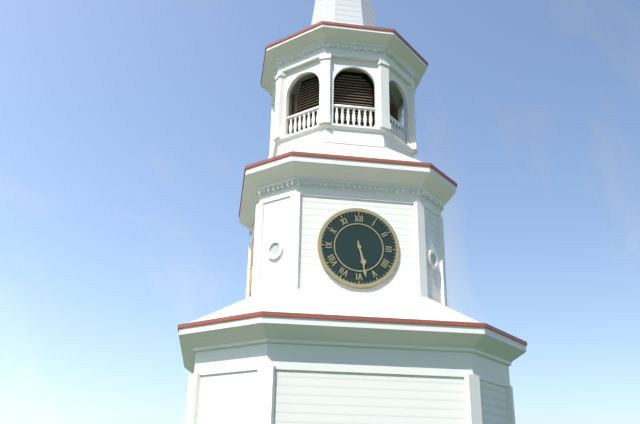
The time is **5:28**
